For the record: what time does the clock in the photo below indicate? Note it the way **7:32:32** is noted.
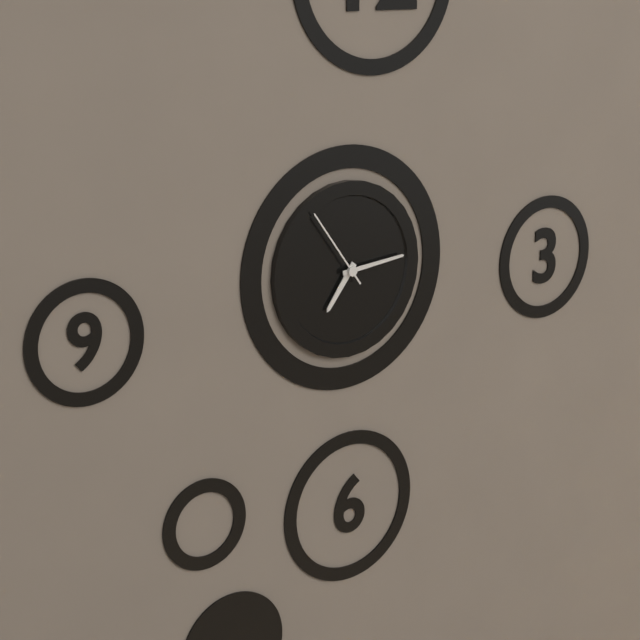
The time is **7:14:54**
